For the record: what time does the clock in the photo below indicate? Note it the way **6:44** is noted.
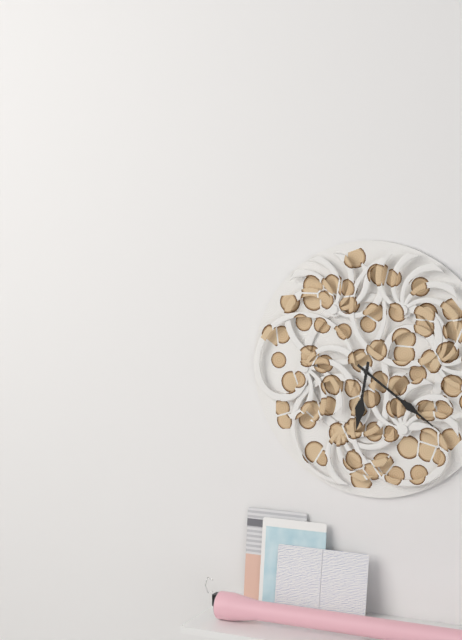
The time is **6:21**
